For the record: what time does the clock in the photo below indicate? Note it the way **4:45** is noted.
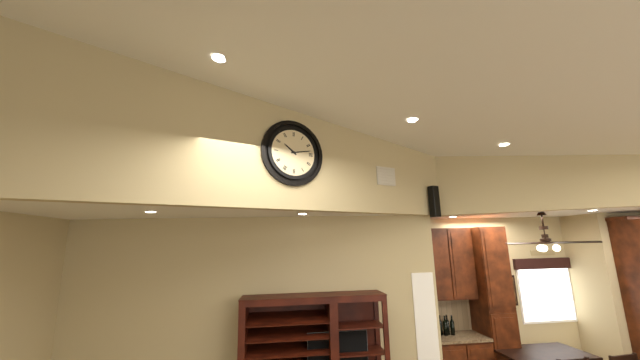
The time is **10:13**
